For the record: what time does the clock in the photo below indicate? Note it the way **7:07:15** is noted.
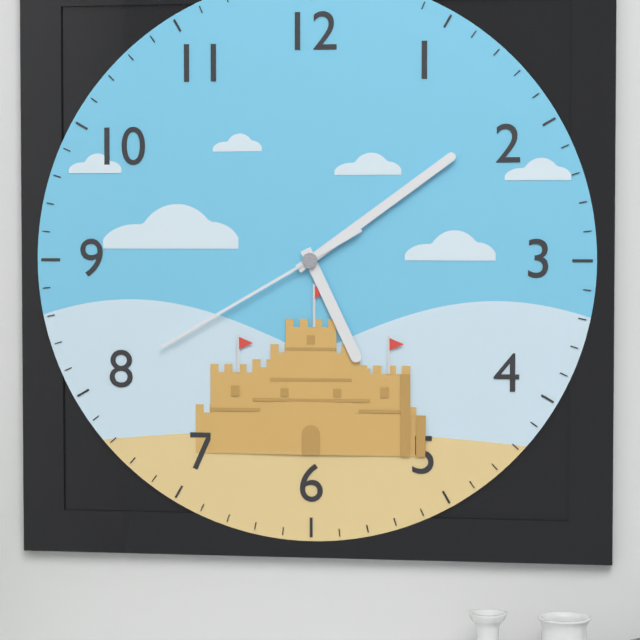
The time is **5:09:40**
